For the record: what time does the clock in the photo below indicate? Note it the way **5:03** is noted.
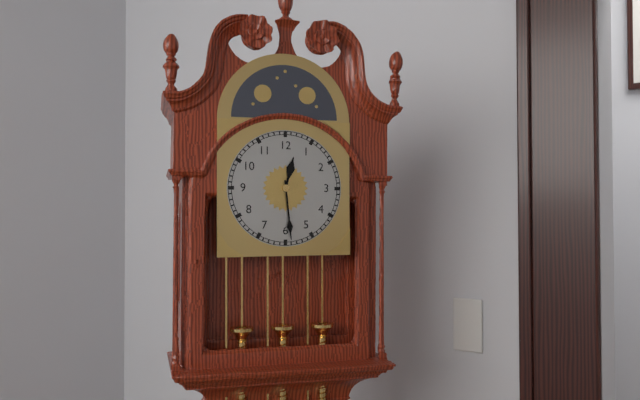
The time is **12:29**
